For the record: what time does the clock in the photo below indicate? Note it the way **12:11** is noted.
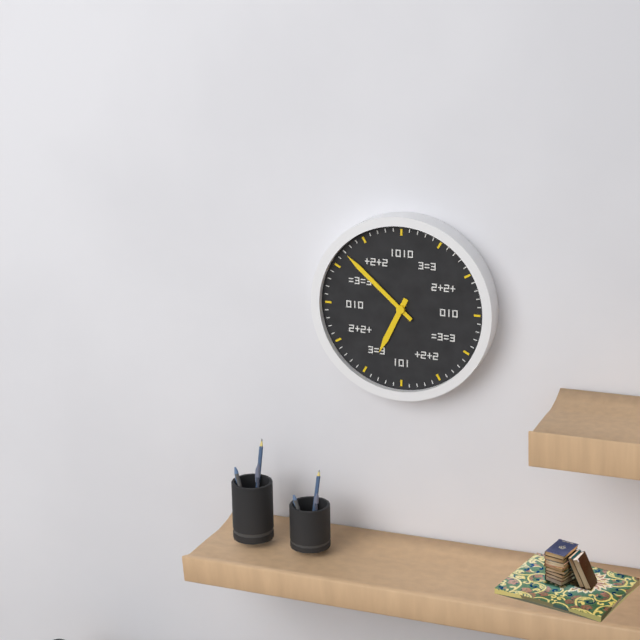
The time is **6:52**
